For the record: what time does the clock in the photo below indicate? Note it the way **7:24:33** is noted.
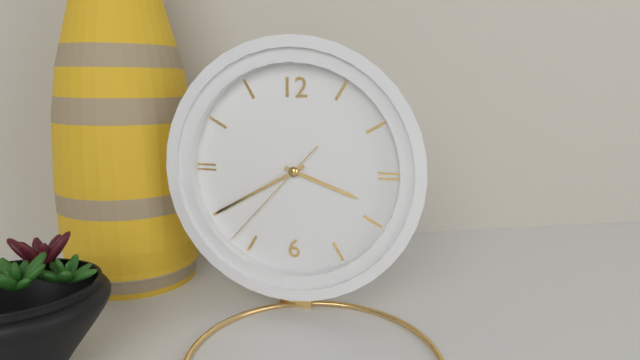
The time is **3:40:37**
